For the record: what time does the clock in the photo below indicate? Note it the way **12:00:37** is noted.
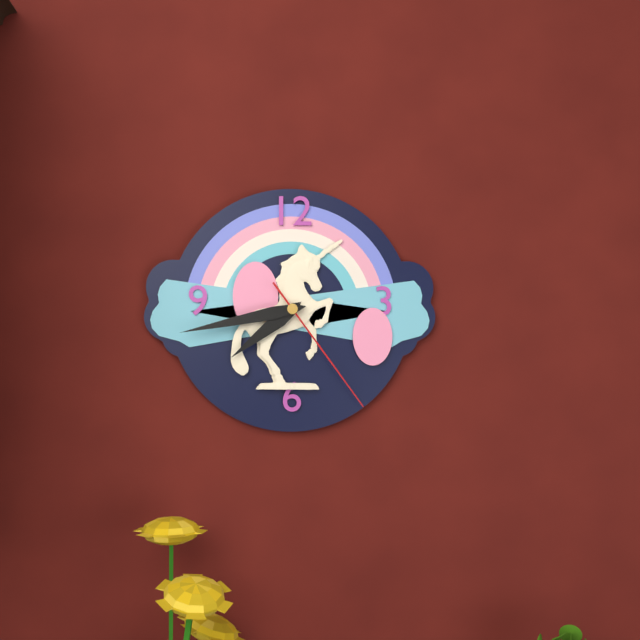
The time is **7:43:24**
